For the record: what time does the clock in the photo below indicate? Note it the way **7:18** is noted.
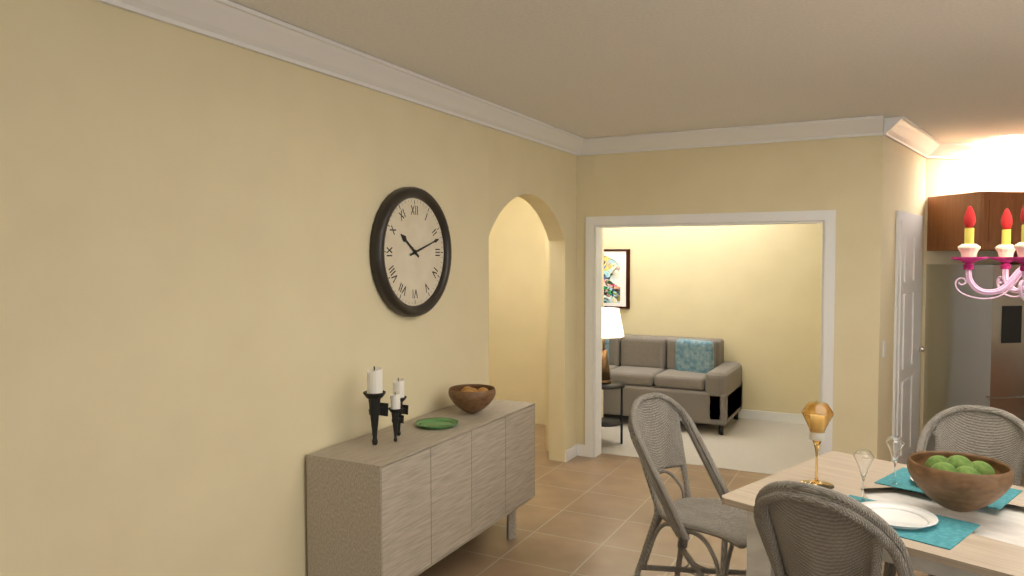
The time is **10:12**
